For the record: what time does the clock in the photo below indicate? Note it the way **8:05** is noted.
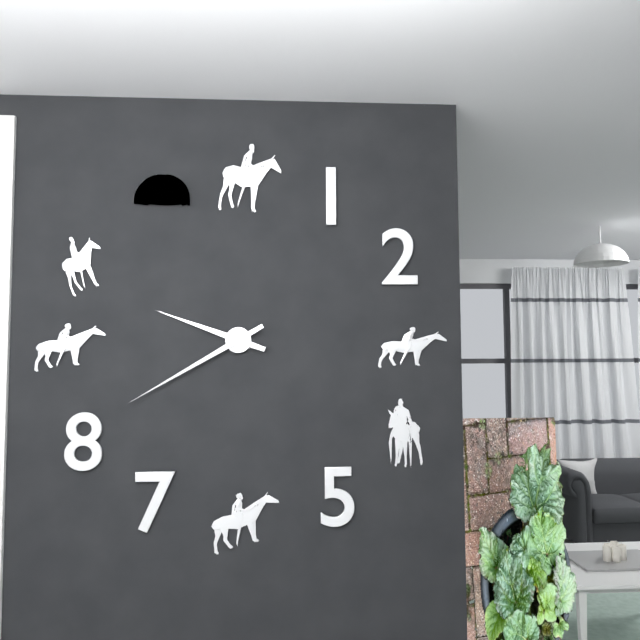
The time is **9:40**
